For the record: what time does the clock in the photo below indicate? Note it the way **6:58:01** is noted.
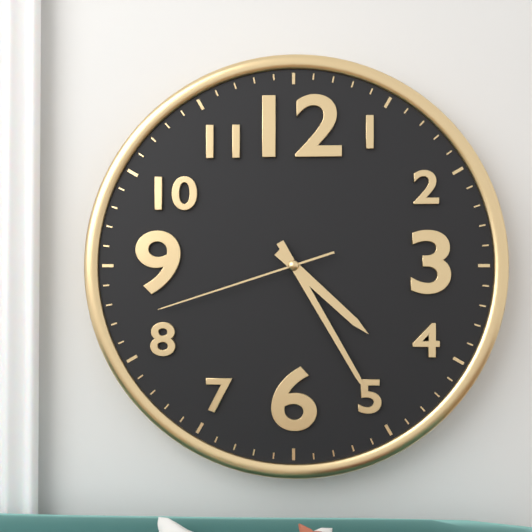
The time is **4:25:42**
